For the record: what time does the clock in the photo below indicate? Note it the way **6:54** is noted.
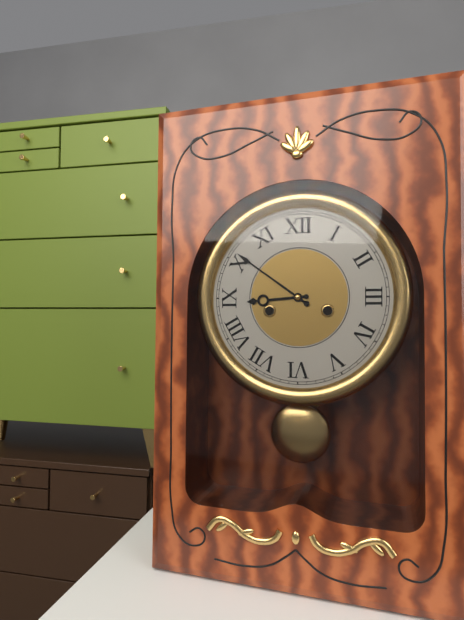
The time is **8:51**
